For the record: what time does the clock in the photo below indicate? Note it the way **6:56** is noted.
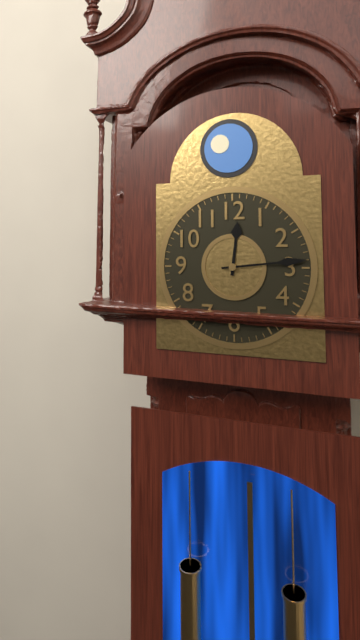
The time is **12:14**
